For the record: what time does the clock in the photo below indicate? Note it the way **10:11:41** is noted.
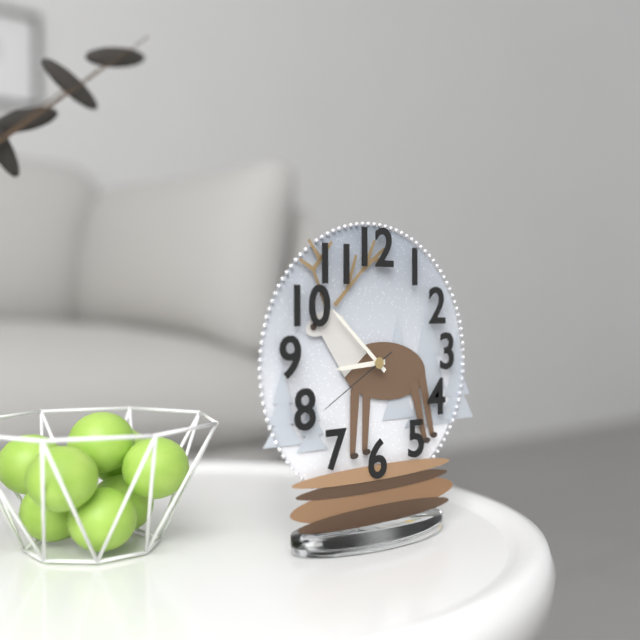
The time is **8:52:40**
